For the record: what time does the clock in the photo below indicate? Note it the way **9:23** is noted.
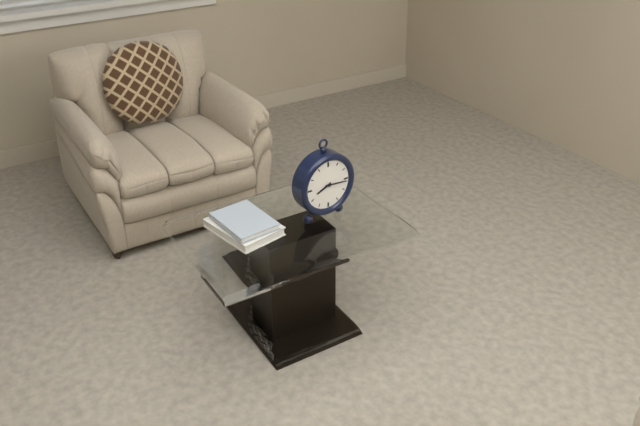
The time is **8:16**
